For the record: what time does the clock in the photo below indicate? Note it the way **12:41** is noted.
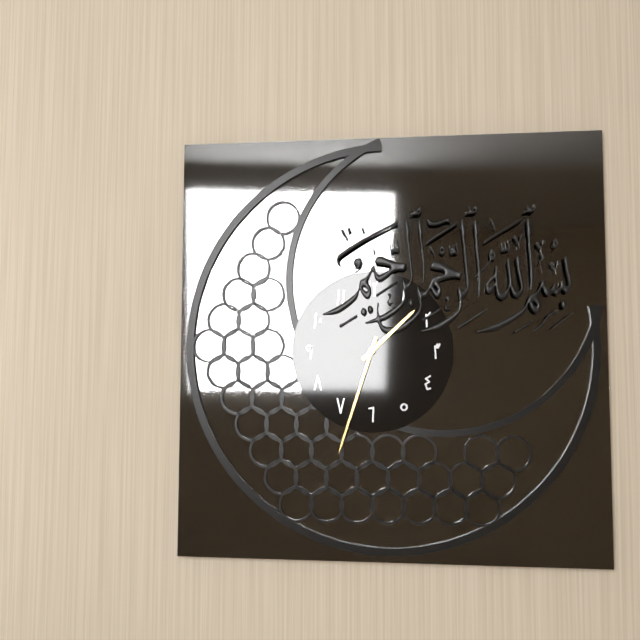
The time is **1:33**
